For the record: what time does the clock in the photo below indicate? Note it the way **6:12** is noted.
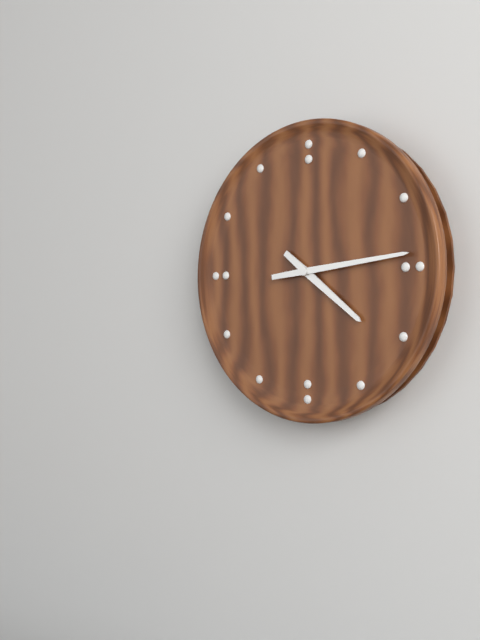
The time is **4:14**
